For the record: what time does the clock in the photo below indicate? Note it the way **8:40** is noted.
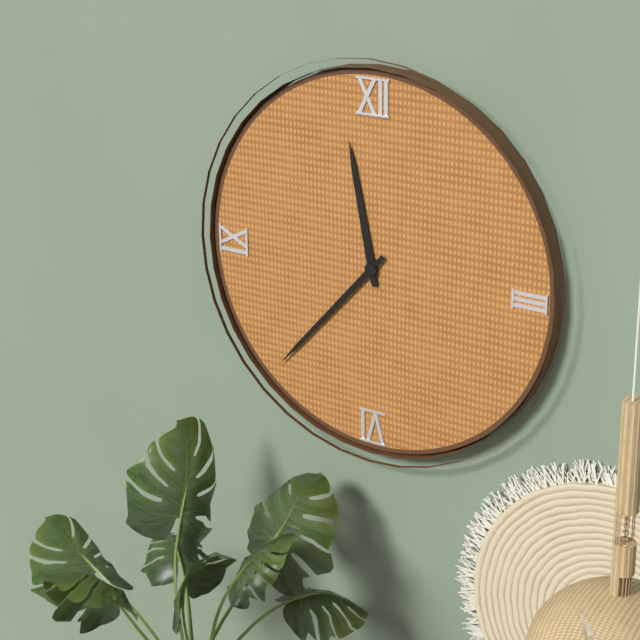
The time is **11:37**
